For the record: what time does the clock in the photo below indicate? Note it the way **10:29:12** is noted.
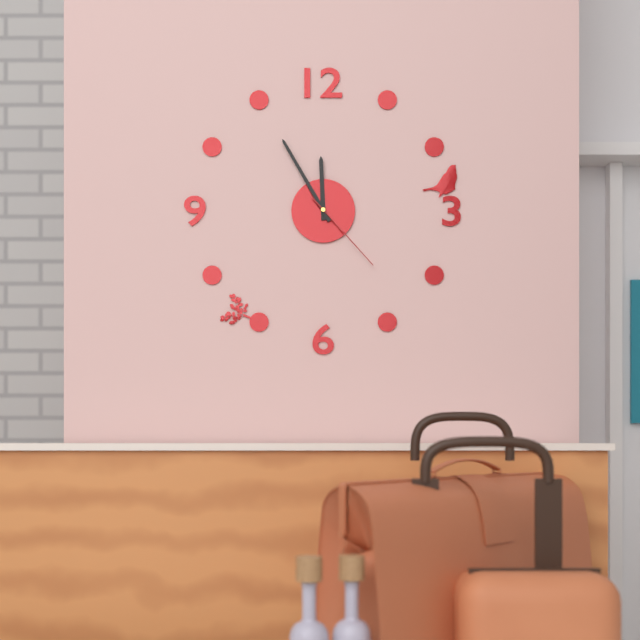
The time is **11:55:23**
